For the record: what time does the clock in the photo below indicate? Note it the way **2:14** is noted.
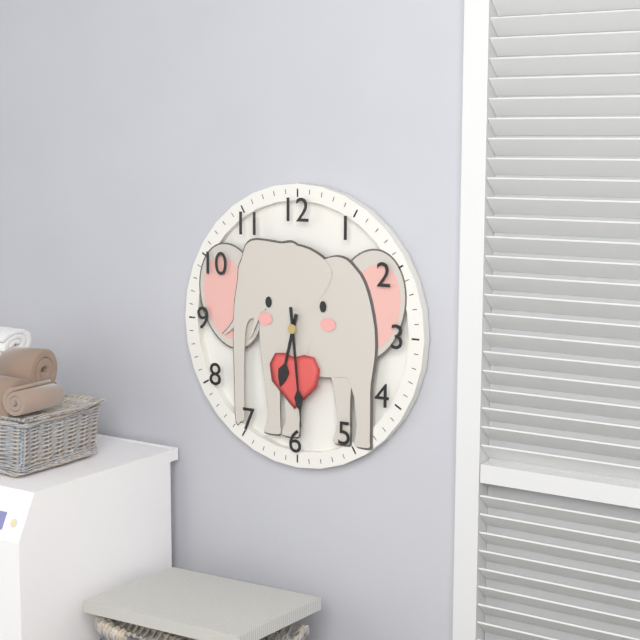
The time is **6:29**
